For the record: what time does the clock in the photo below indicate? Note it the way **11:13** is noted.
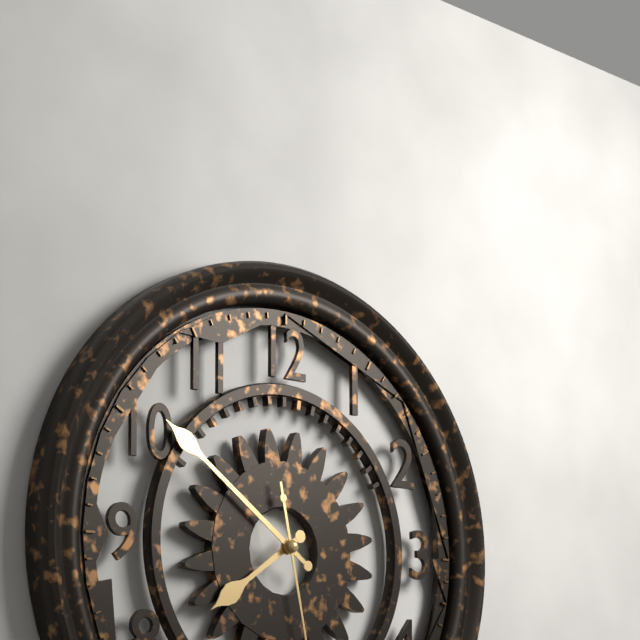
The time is **7:51**
